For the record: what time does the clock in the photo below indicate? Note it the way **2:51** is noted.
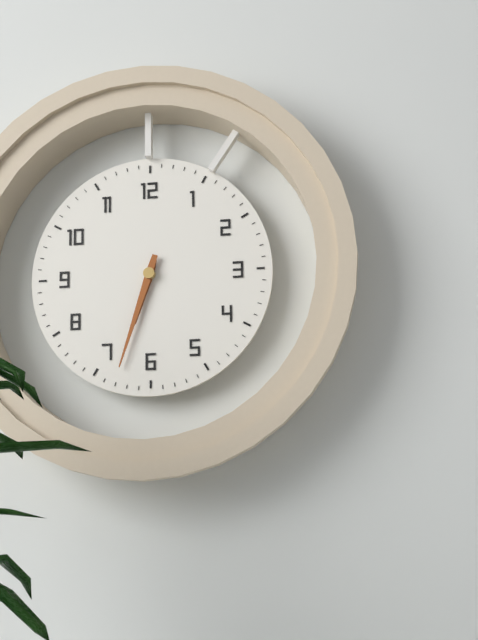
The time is **6:33**
